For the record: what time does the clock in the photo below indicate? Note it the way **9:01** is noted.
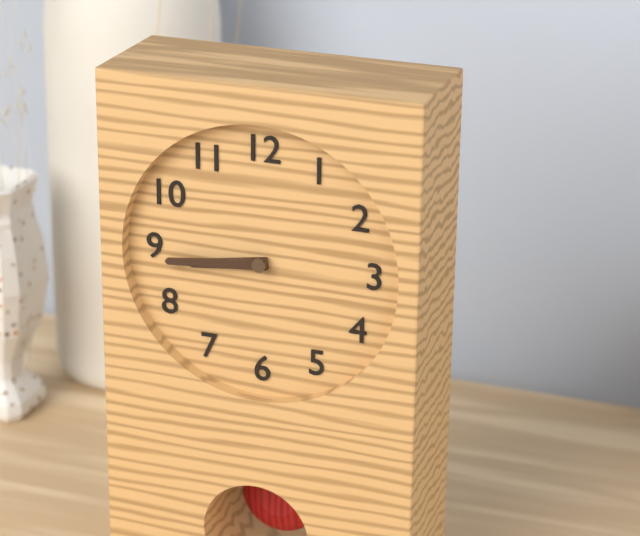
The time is **8:44**
